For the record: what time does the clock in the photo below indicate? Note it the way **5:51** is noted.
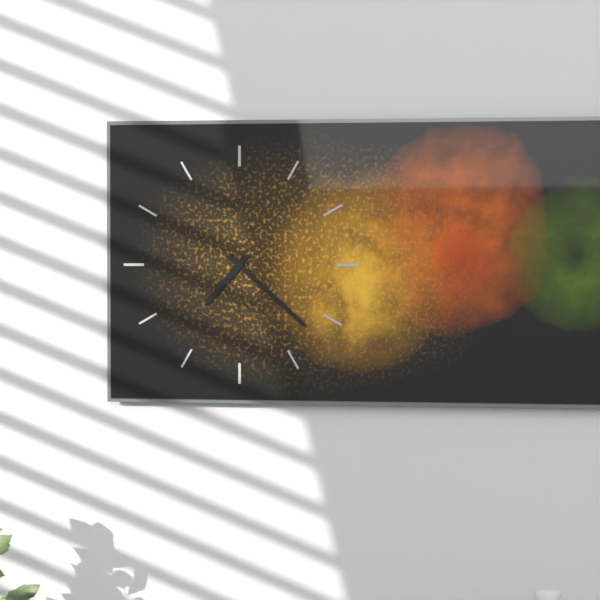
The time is **7:22**
